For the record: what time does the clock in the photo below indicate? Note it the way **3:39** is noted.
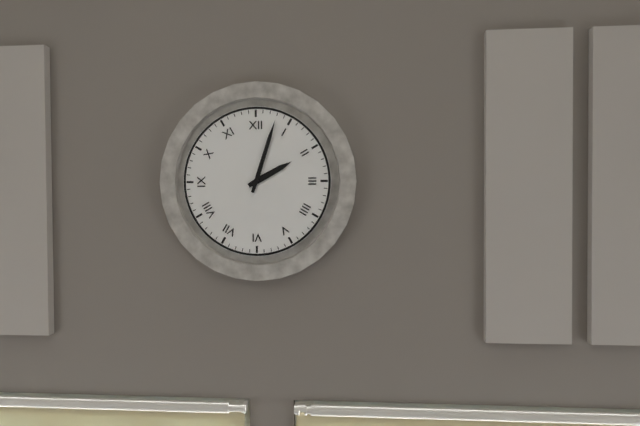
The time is **2:03**
